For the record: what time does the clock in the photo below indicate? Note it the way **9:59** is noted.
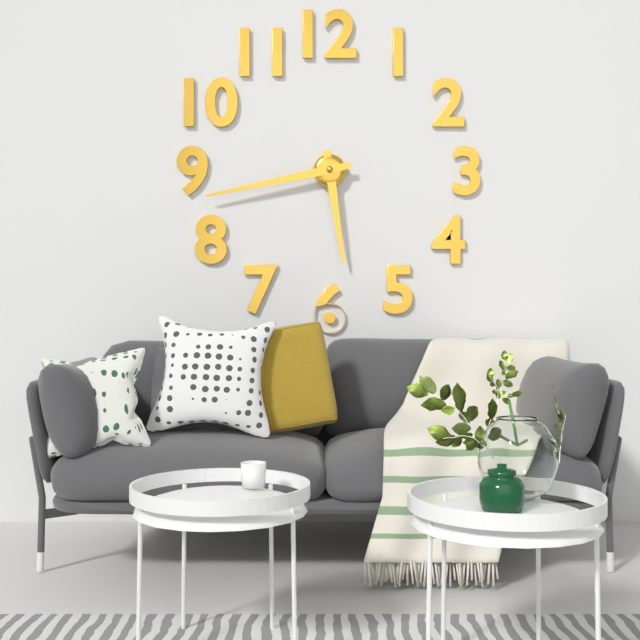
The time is **5:43**
